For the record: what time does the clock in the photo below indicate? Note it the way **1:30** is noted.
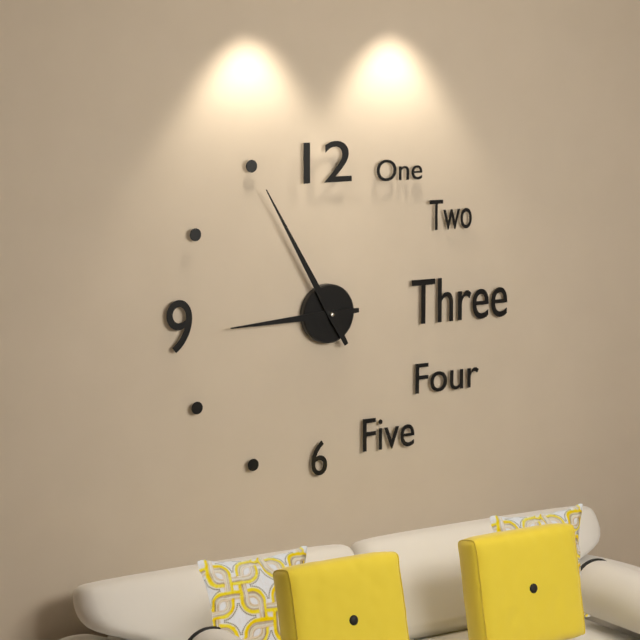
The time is **8:55**
